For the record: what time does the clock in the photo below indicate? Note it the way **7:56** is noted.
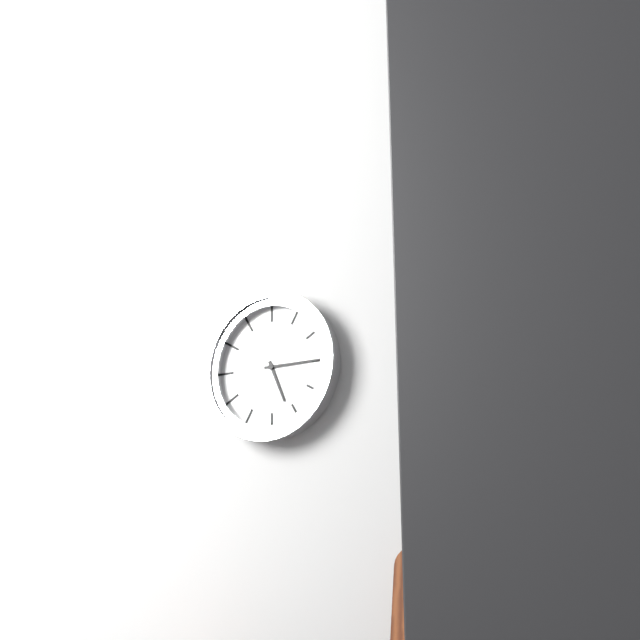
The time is **5:15**
